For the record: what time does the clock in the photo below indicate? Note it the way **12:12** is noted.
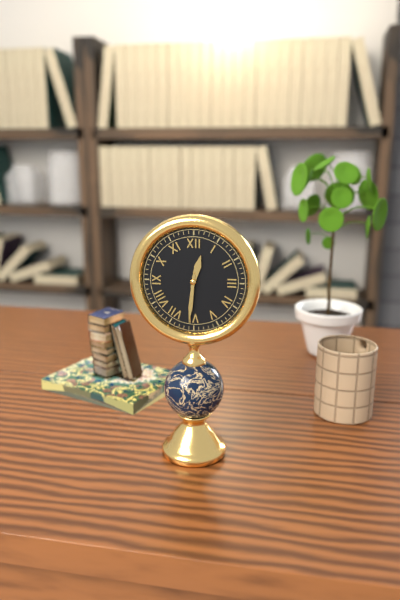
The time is **12:31**
